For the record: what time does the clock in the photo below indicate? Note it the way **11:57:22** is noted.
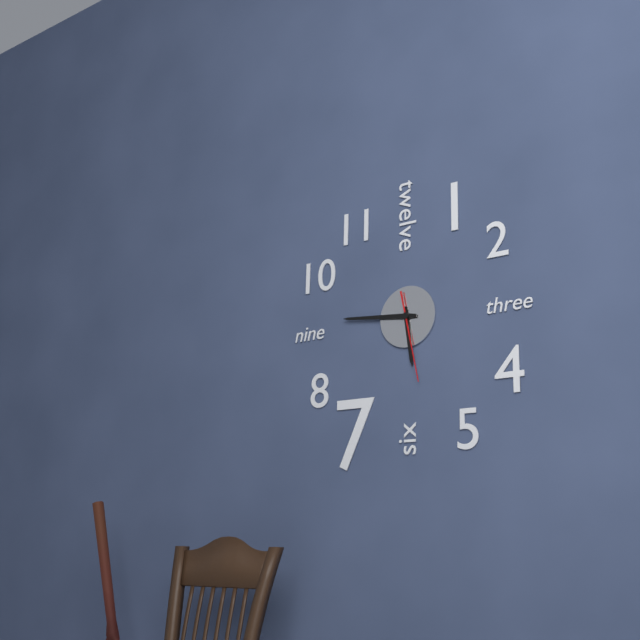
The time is **5:46:28**
